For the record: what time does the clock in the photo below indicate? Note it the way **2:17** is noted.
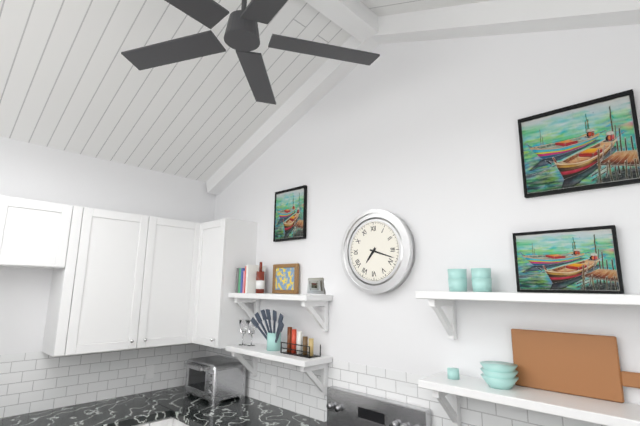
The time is **7:18**
